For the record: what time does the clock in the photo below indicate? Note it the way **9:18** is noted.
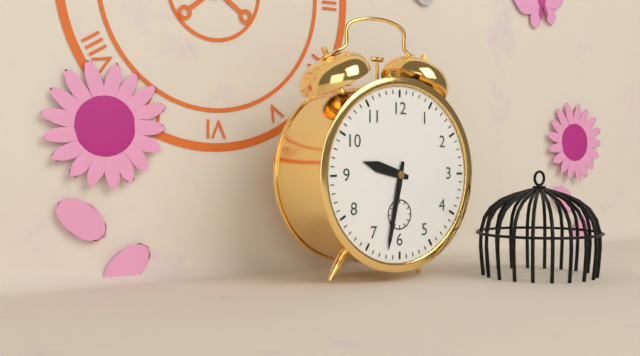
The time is **9:32**
